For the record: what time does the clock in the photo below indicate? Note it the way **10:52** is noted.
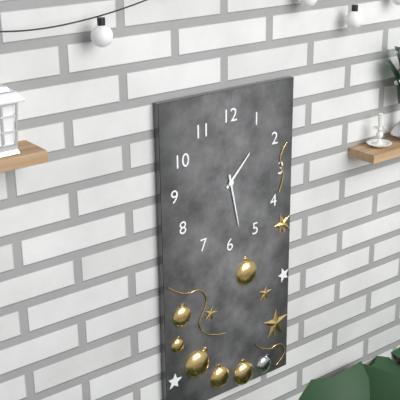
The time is **1:28**
